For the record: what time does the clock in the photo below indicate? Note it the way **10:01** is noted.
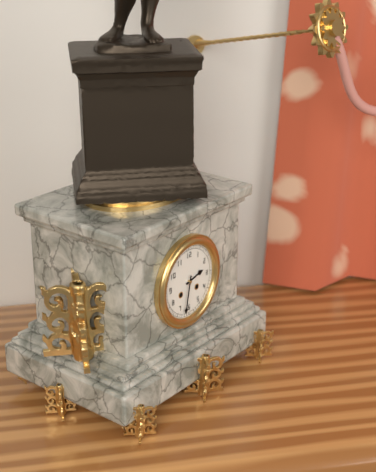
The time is **2:32**
